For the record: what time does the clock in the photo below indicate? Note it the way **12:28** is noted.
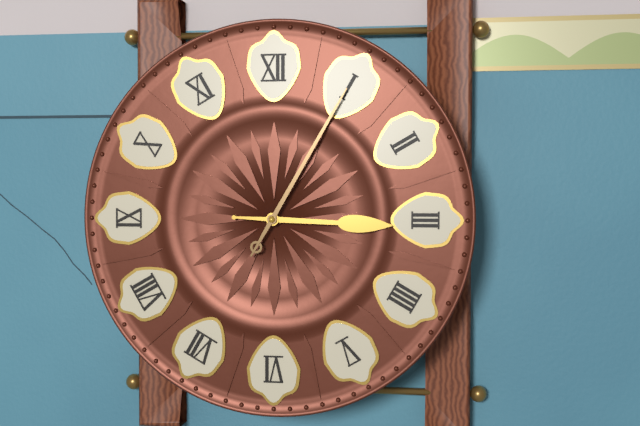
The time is **3:05**
